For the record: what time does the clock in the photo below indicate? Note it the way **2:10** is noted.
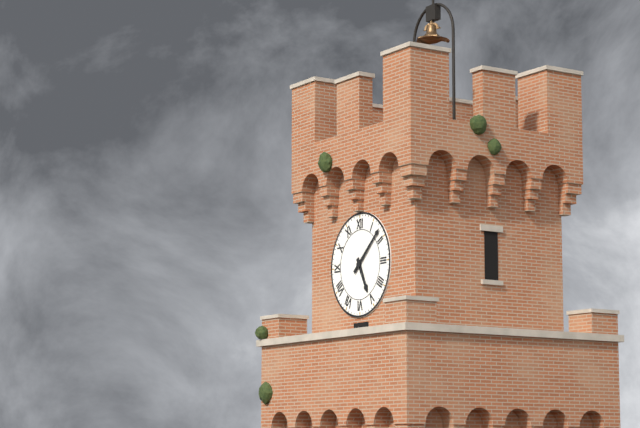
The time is **5:08**
